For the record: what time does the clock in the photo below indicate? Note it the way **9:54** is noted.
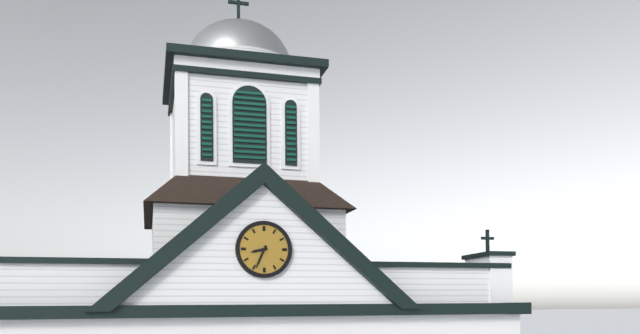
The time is **8:34**
